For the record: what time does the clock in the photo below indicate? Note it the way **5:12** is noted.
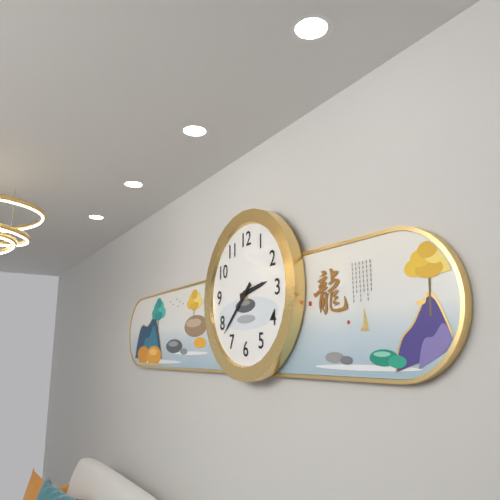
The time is **2:38**
